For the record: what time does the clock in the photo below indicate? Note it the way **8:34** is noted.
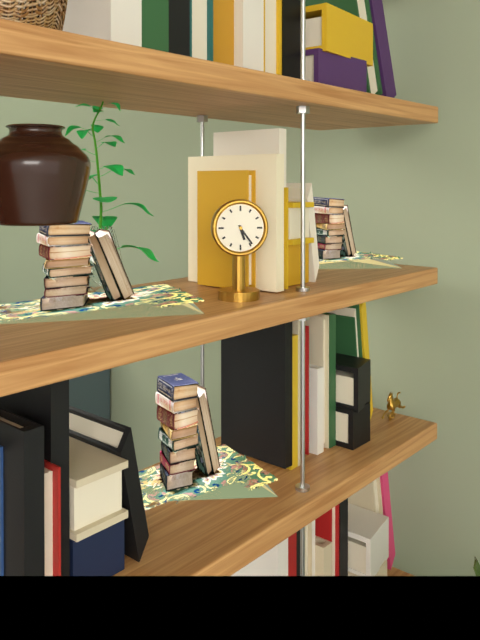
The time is **5:24**
